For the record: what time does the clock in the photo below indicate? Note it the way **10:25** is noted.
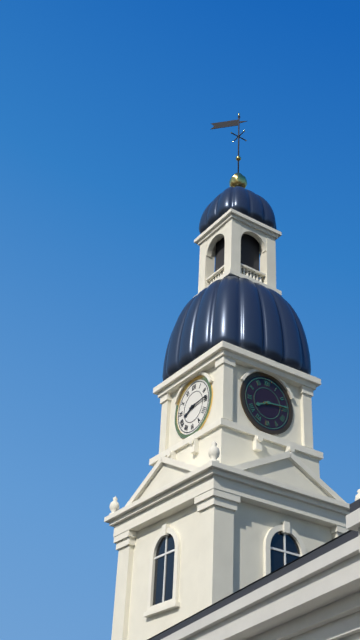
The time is **8:14**
